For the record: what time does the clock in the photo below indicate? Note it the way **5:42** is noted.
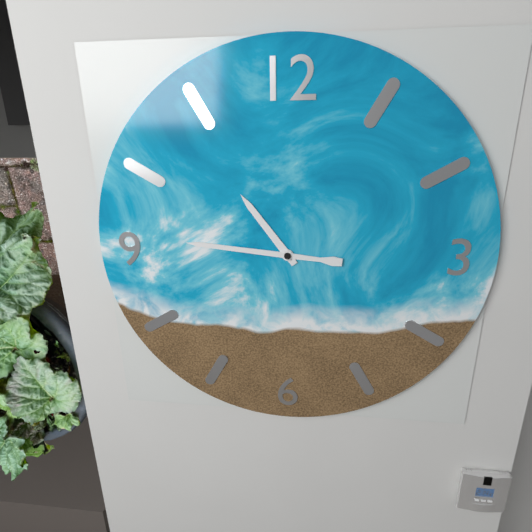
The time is **10:46**
